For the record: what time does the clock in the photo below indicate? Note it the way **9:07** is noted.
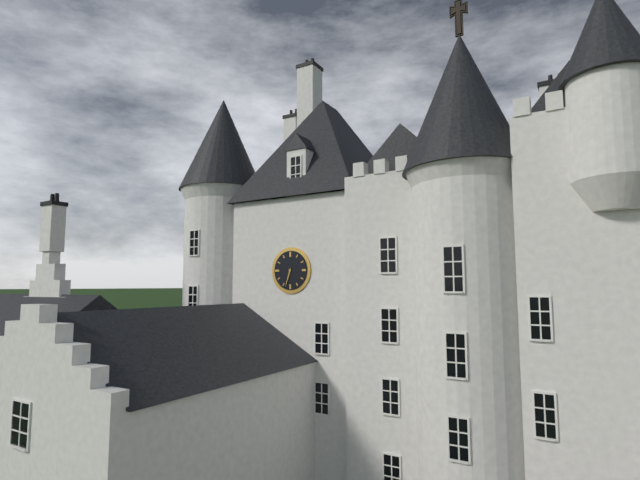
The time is **6:33**
